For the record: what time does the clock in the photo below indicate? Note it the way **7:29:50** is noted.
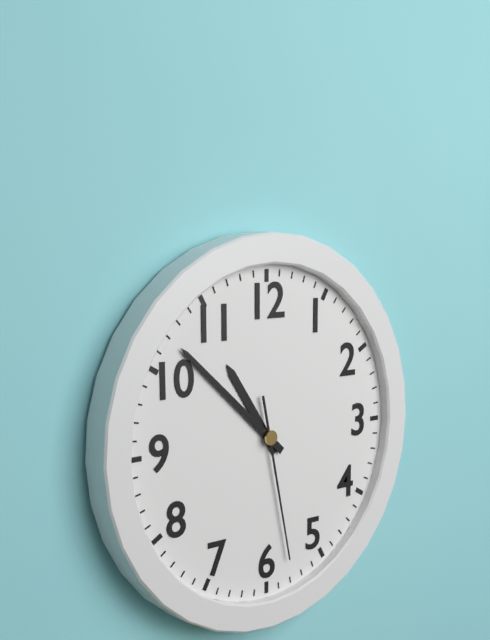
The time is **10:52:28**
